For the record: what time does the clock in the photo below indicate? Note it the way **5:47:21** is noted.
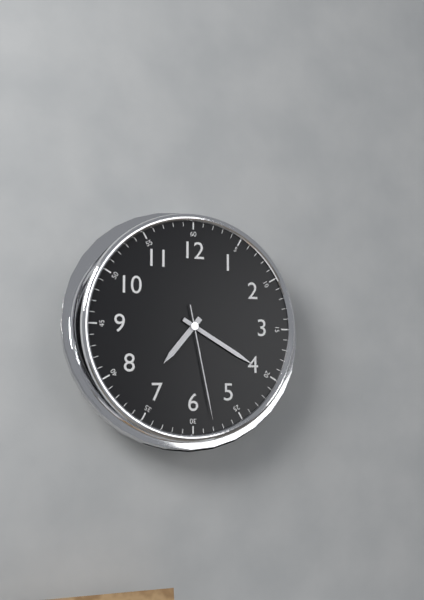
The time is **7:20:28**
